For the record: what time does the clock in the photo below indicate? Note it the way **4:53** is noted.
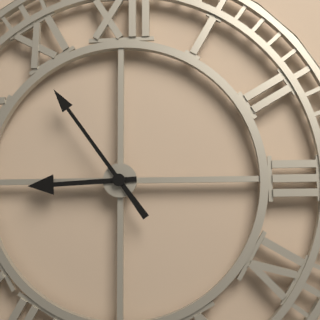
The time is **8:54**
